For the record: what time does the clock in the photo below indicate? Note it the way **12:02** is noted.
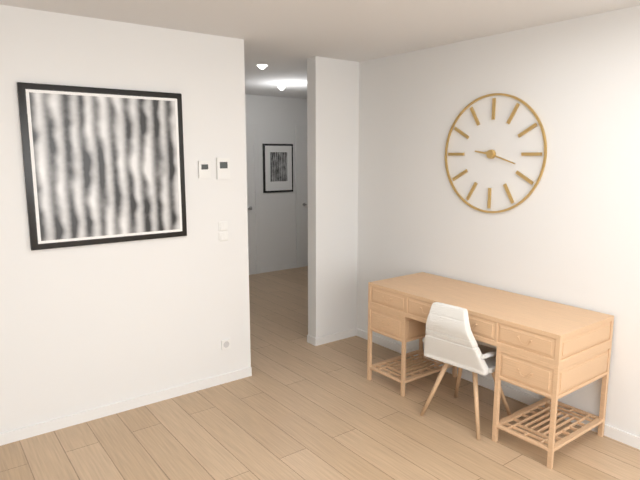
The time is **9:18**
